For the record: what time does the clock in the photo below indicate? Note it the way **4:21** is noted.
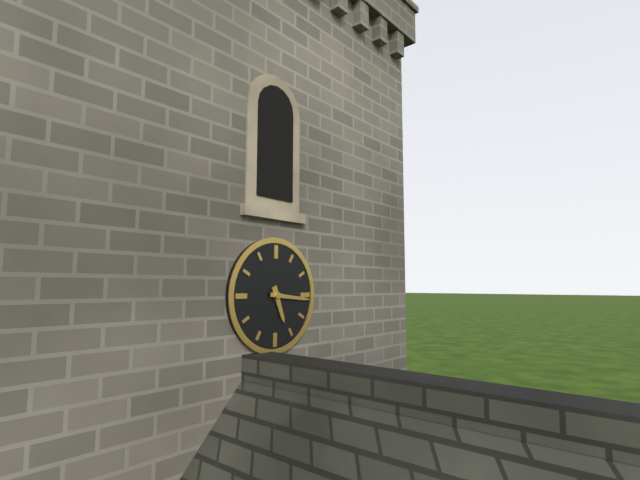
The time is **5:16**
